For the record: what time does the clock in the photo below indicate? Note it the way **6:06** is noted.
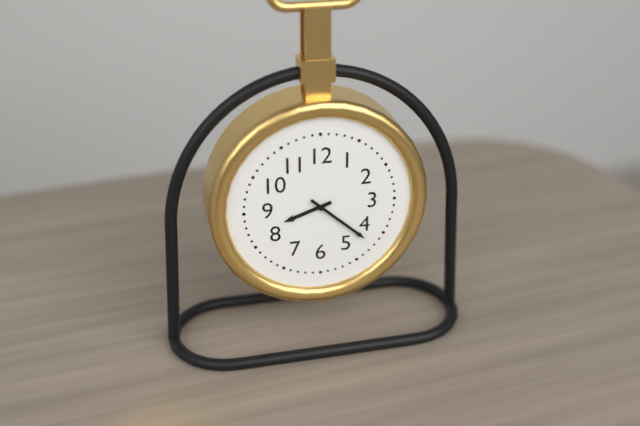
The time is **8:22**
